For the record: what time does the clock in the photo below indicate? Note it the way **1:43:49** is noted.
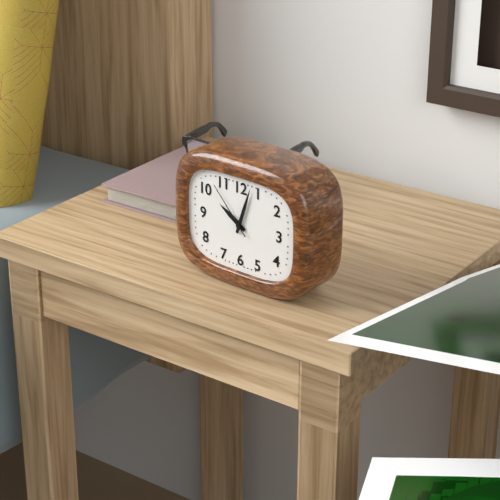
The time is **10:03:53**
